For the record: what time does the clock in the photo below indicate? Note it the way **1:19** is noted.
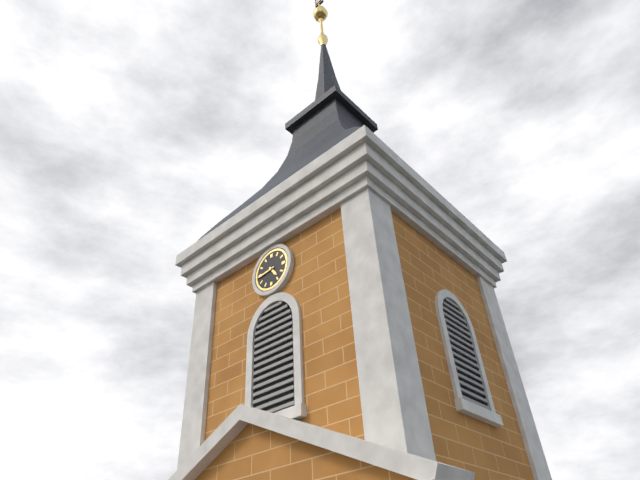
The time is **4:44**
